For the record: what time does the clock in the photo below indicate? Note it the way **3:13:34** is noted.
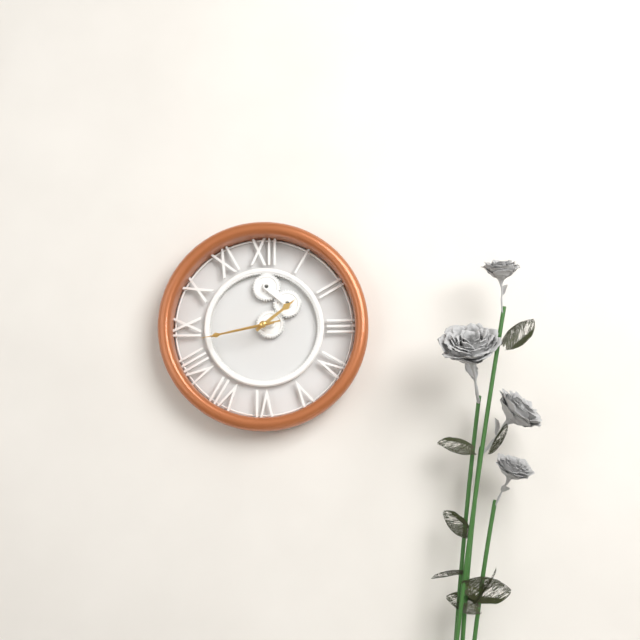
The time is **1:43:43**
